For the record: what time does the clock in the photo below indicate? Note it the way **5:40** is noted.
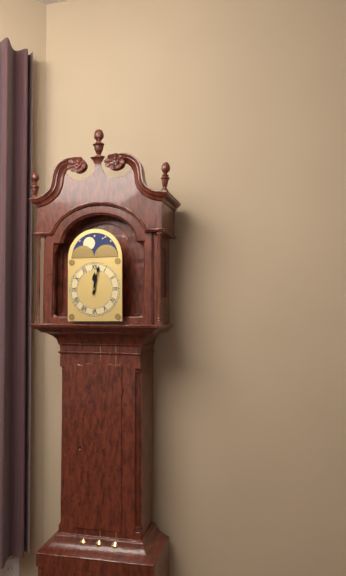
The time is **12:02**
